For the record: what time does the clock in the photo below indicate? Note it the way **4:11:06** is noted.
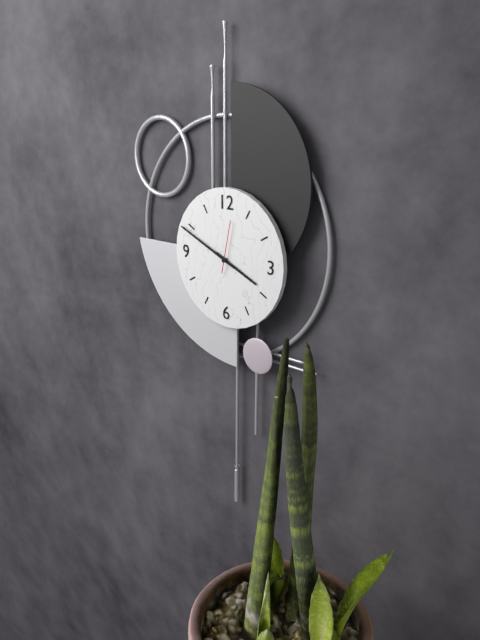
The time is **3:49:02**
